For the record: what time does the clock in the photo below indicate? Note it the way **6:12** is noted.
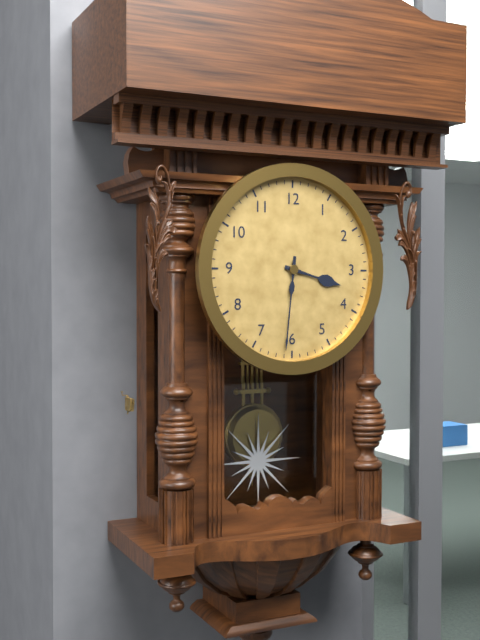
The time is **3:31**
